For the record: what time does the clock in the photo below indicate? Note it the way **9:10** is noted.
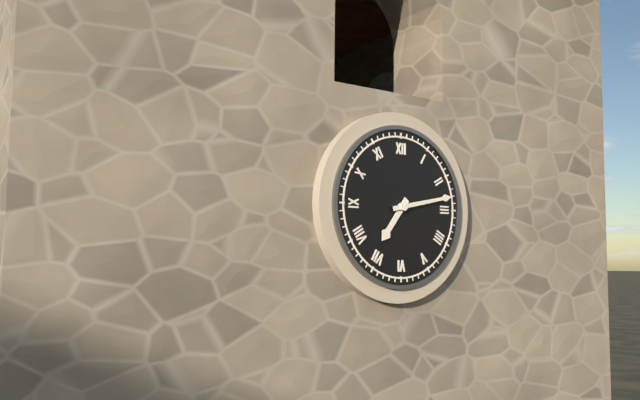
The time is **7:13**
